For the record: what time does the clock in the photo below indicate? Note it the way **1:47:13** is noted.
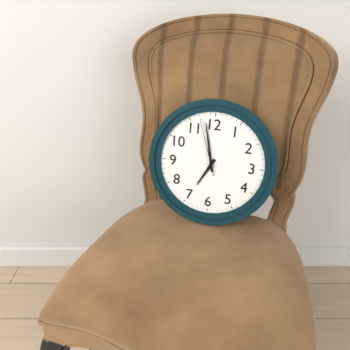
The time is **6:58:57**
